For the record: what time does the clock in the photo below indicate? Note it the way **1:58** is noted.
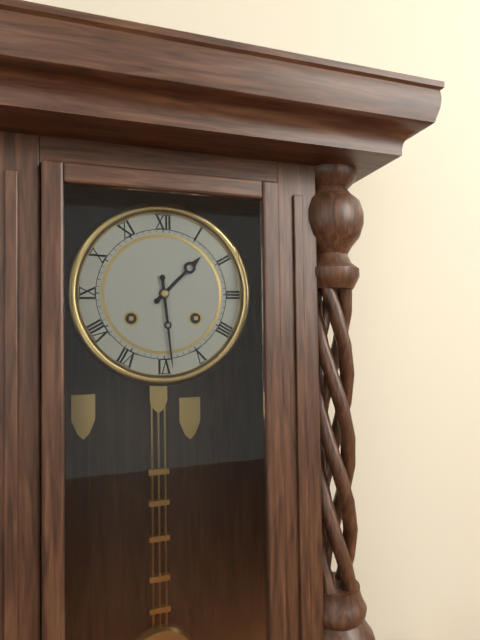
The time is **1:29**
